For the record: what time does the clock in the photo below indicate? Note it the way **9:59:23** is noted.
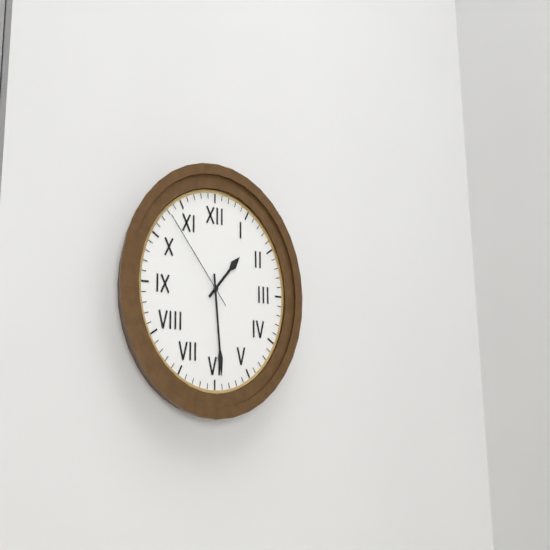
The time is **1:29:53**
